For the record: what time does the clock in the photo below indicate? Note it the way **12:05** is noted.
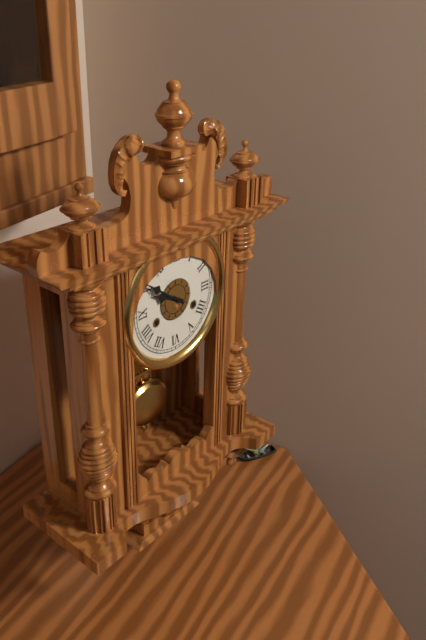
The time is **9:51**
